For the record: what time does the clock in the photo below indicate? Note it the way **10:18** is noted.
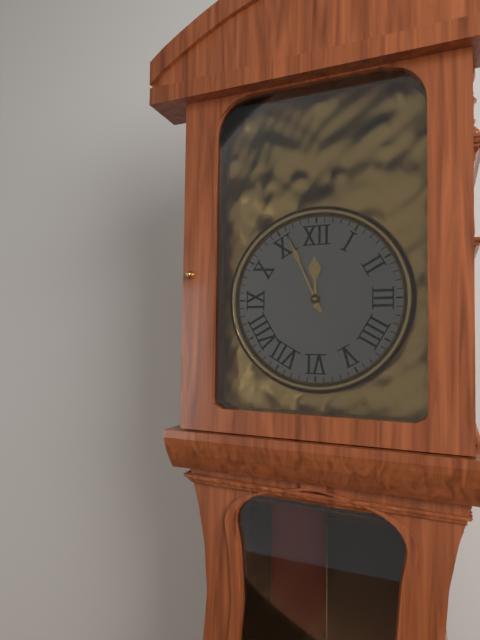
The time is **11:56**
